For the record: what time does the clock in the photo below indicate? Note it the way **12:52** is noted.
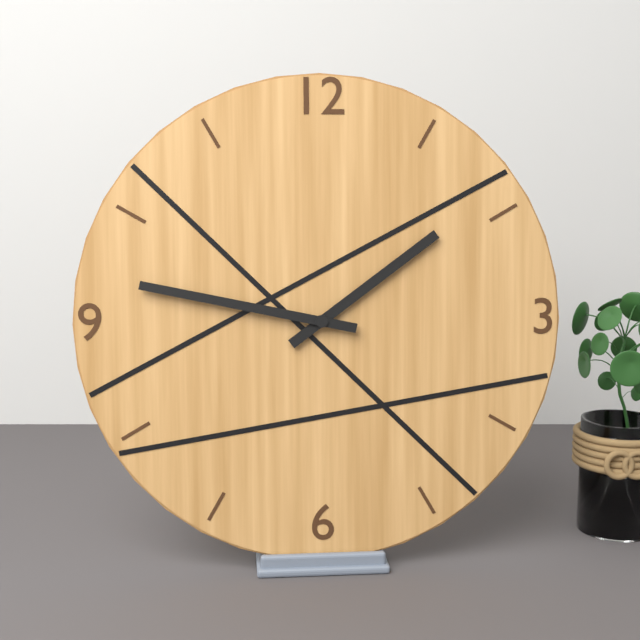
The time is **1:47**
